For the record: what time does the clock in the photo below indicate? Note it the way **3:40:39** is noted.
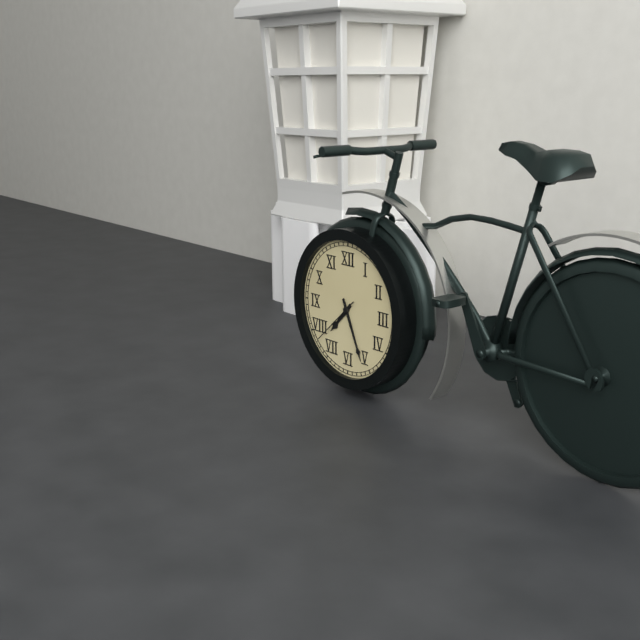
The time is **7:26:38**
